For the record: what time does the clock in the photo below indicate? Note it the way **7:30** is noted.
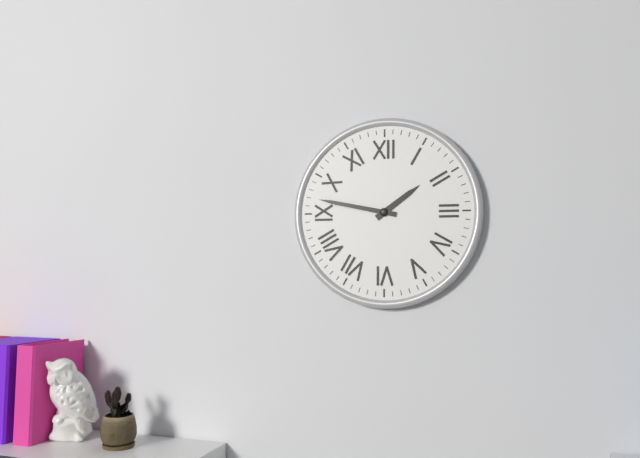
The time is **1:47**
